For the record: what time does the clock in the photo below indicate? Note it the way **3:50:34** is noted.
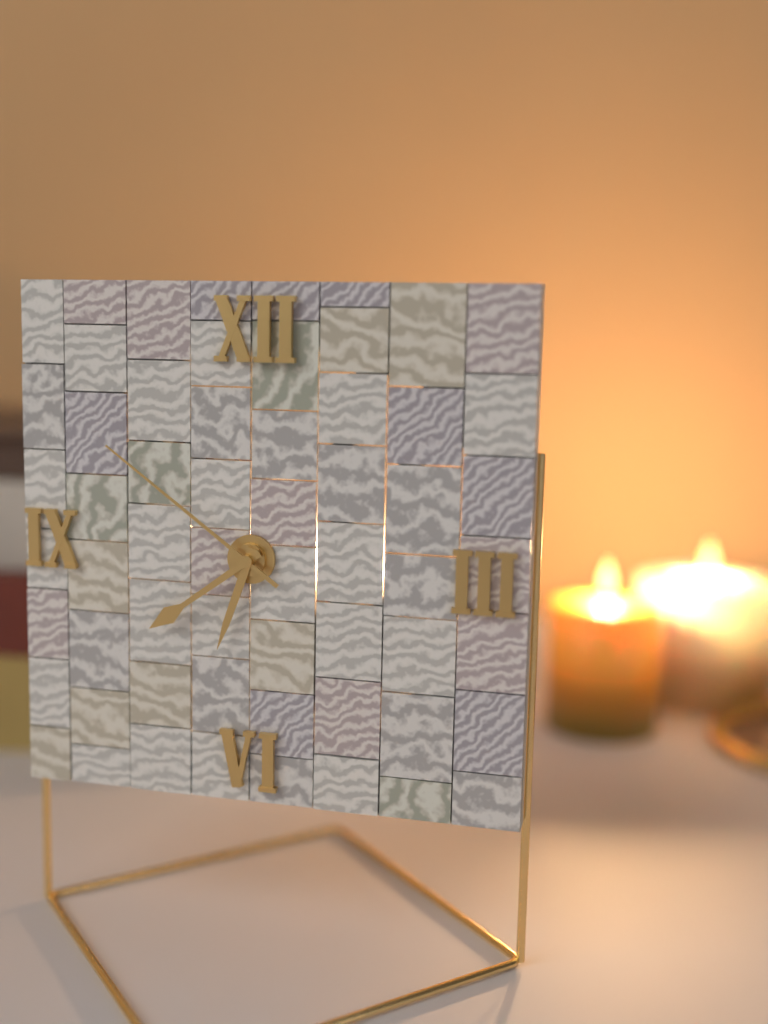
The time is **6:39:51**
